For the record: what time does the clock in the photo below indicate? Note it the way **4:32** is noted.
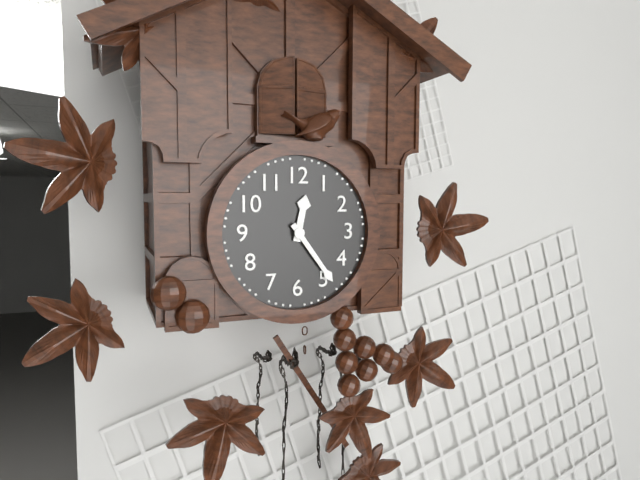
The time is **12:24**
